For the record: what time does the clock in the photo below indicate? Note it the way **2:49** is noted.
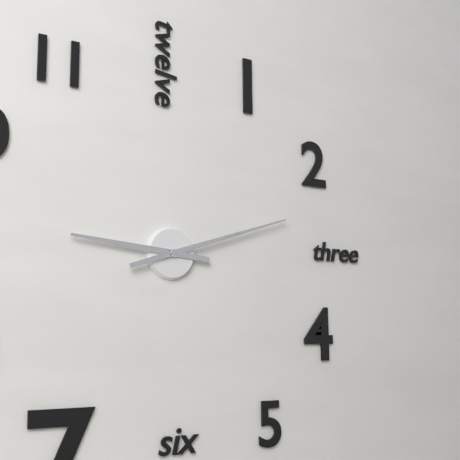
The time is **9:12**
